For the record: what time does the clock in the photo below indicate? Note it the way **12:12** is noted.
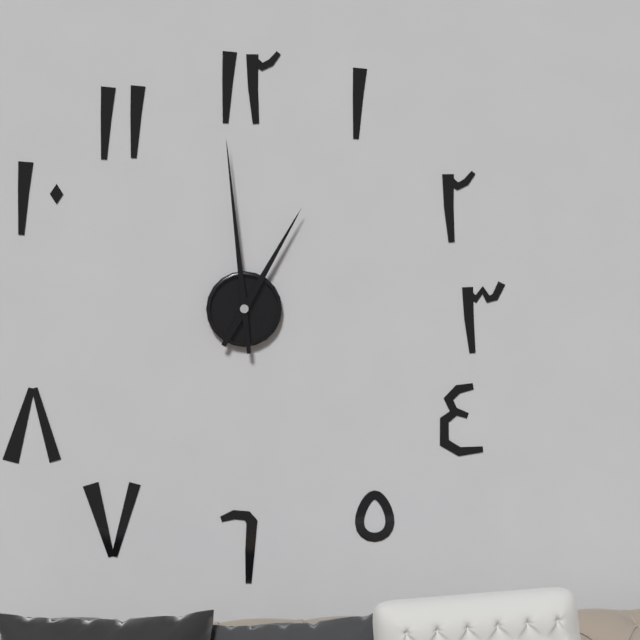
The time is **12:59**
